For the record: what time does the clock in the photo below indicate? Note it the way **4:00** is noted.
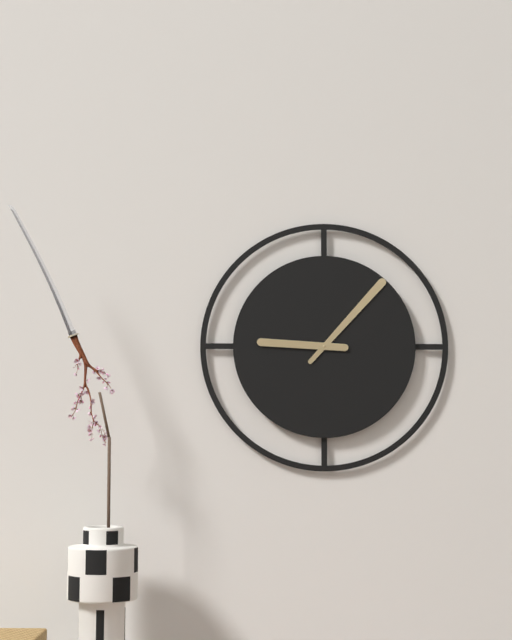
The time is **9:07**
